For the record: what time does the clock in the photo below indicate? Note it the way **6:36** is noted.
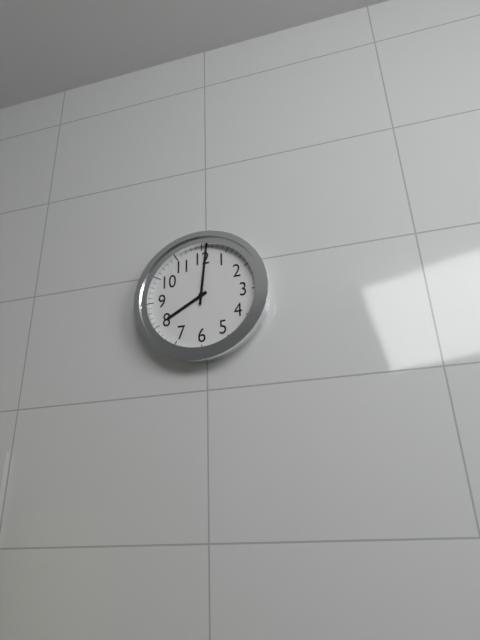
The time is **8:01**
